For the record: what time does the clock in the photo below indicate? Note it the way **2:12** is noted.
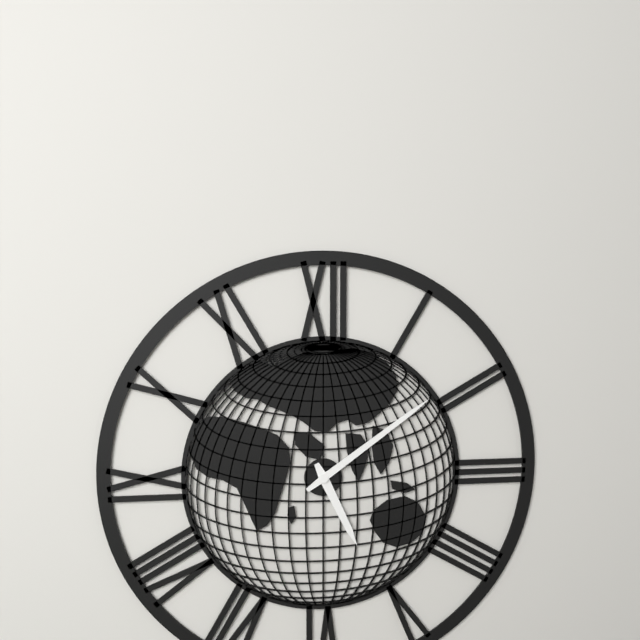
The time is **5:09**
